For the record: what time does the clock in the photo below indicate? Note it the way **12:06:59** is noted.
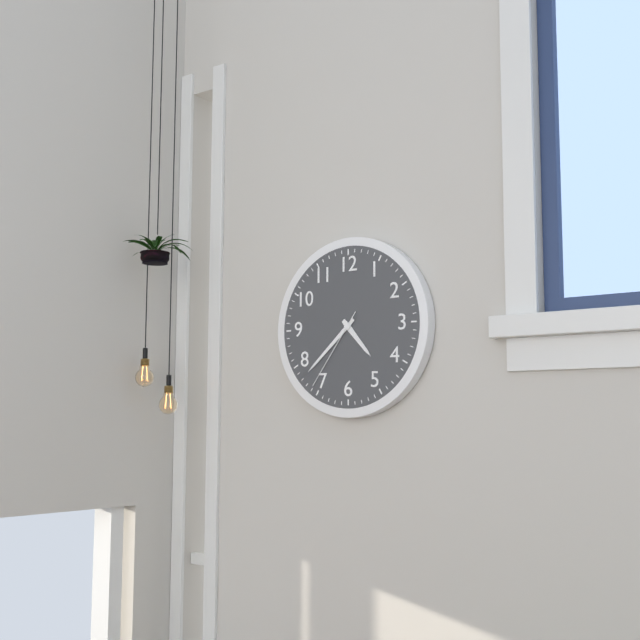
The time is **4:38:36**
